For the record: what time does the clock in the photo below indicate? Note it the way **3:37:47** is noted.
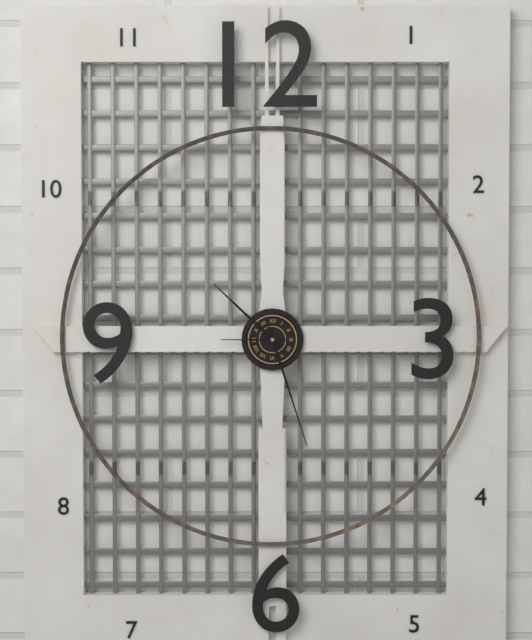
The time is **10:27:45**
